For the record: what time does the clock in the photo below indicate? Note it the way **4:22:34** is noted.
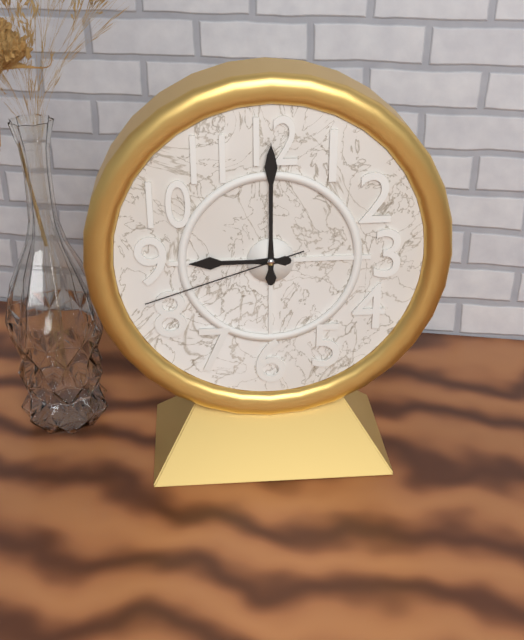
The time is **9:00:42**
